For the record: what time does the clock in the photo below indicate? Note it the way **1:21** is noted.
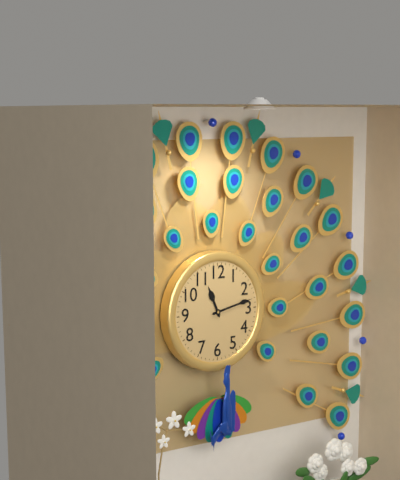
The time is **11:13**
